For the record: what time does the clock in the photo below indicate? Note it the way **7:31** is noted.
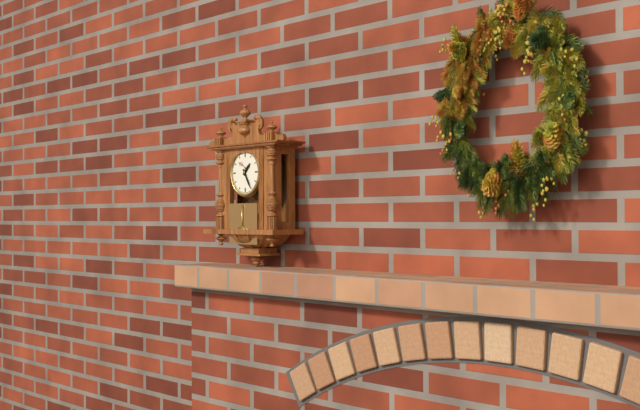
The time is **1:25**
